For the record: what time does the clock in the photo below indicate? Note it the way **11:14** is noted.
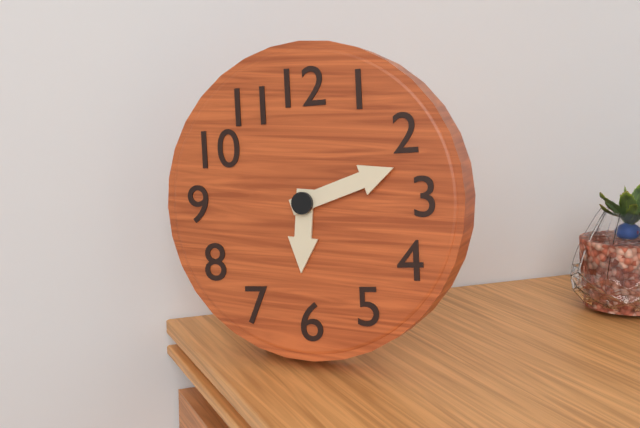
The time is **6:12**
